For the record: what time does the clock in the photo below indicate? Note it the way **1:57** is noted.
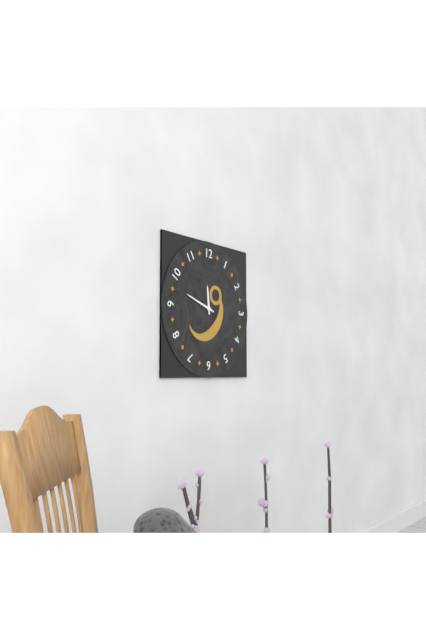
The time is **11:48**
